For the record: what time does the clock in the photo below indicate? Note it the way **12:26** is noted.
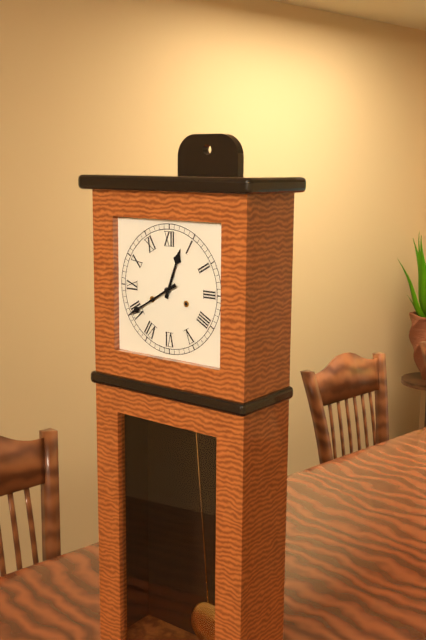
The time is **12:40**
